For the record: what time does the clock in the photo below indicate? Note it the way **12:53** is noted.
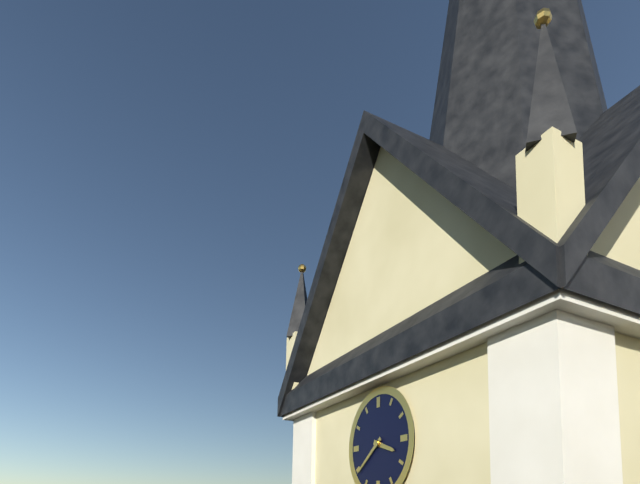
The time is **3:39**
